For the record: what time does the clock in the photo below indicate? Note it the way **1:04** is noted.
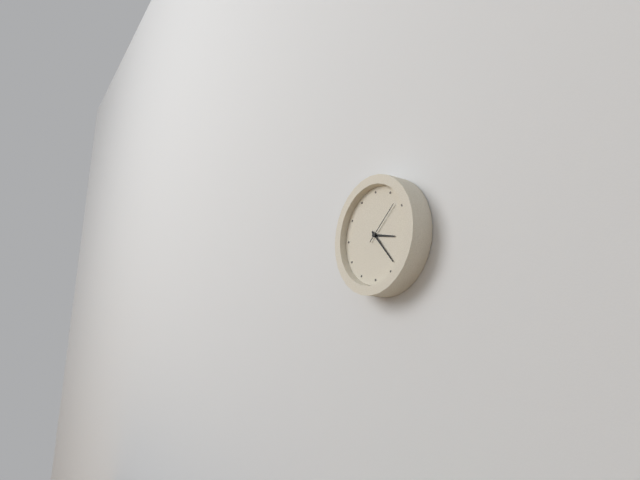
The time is **3:23**
